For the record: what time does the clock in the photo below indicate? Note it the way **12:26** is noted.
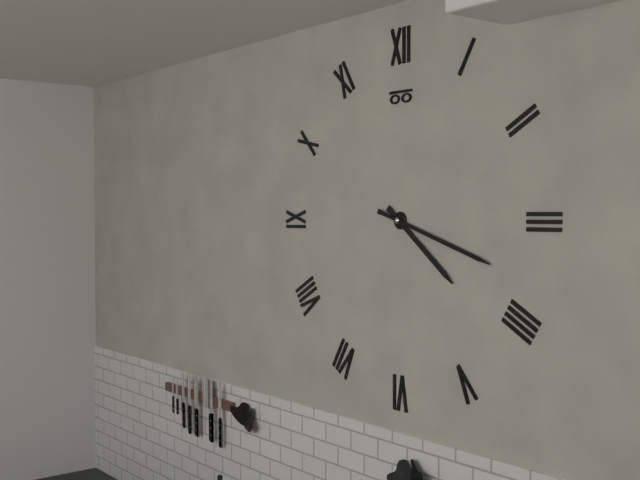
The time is **4:18**
